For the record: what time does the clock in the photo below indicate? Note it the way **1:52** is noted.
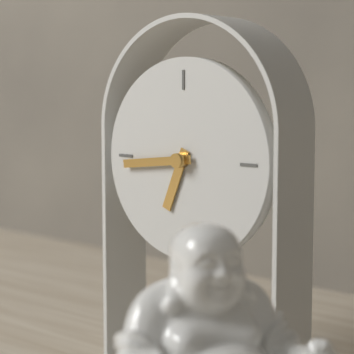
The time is **6:44**
